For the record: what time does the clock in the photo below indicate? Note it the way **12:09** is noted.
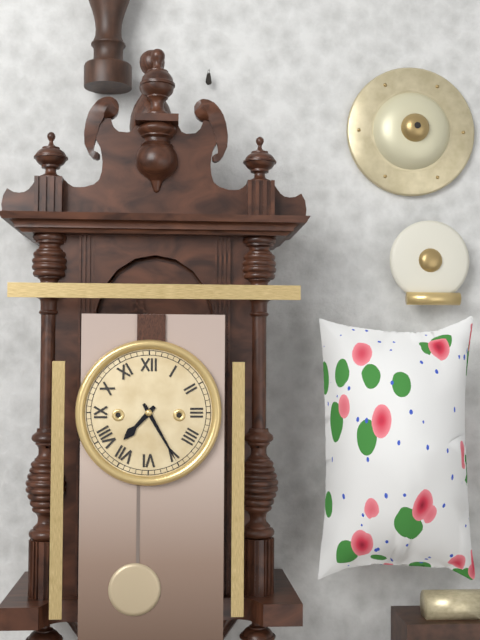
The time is **7:25**
